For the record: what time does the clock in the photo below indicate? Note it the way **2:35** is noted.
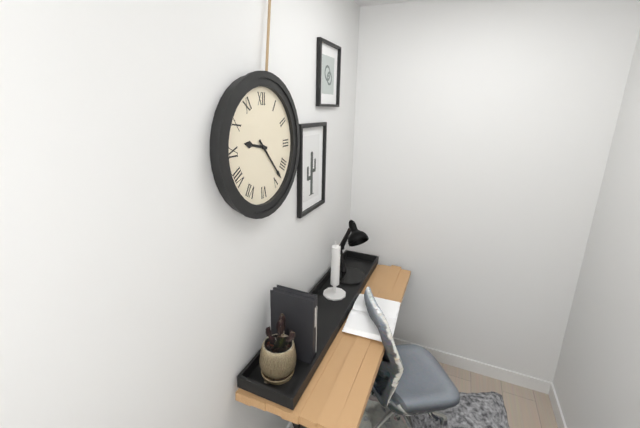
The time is **9:23**
